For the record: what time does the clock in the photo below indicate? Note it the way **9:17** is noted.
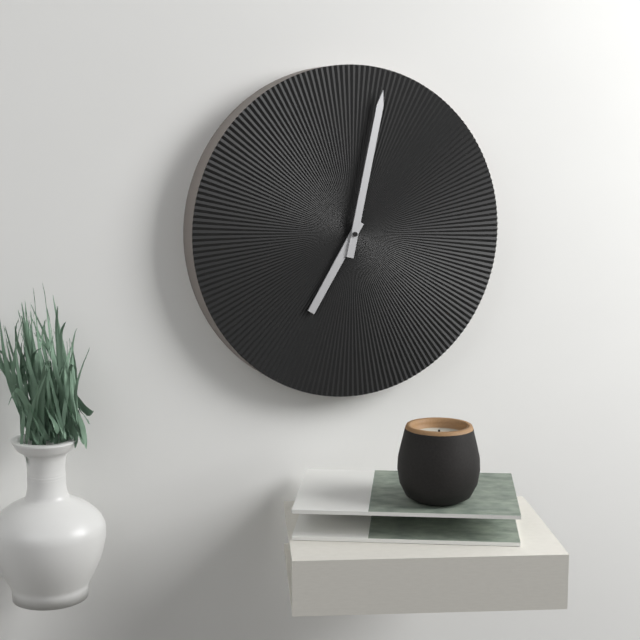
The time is **7:02**
